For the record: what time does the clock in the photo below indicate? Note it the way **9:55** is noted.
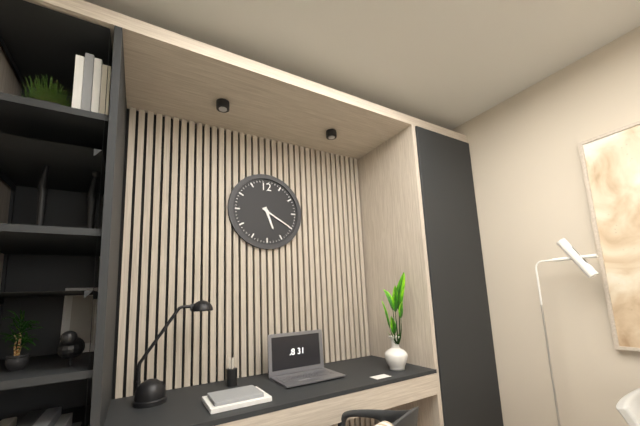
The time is **5:20**
